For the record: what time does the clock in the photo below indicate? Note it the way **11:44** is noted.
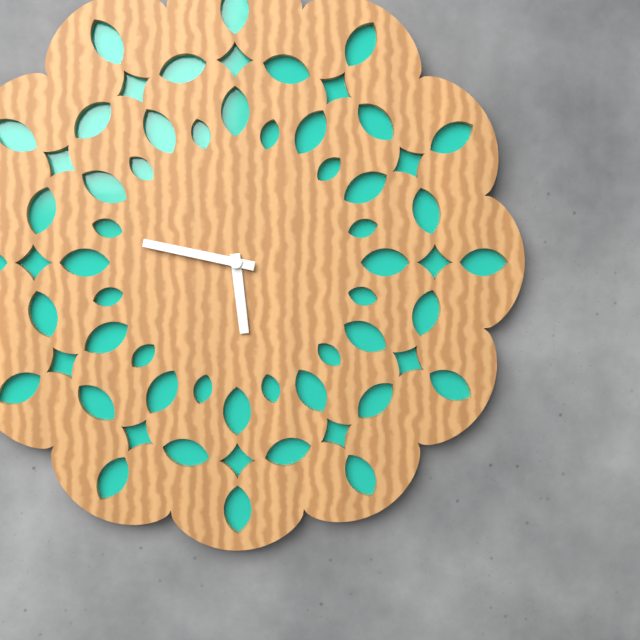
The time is **5:47**
